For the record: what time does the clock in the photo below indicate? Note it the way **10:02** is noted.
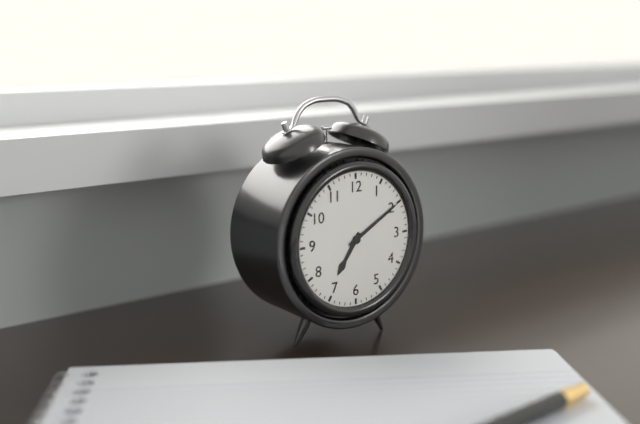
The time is **7:10**
